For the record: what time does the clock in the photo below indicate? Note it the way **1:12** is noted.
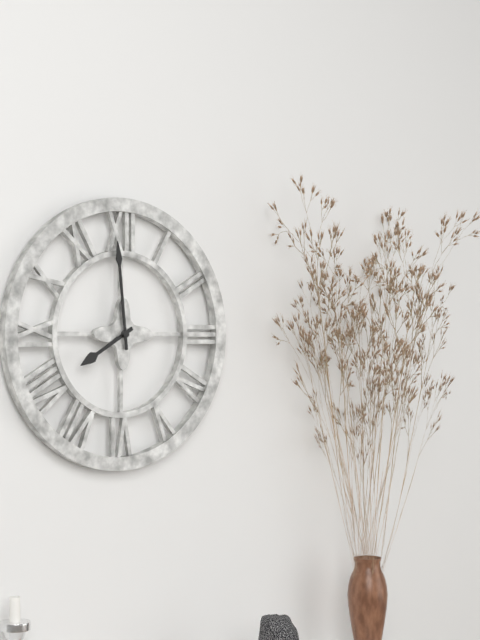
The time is **7:59**
